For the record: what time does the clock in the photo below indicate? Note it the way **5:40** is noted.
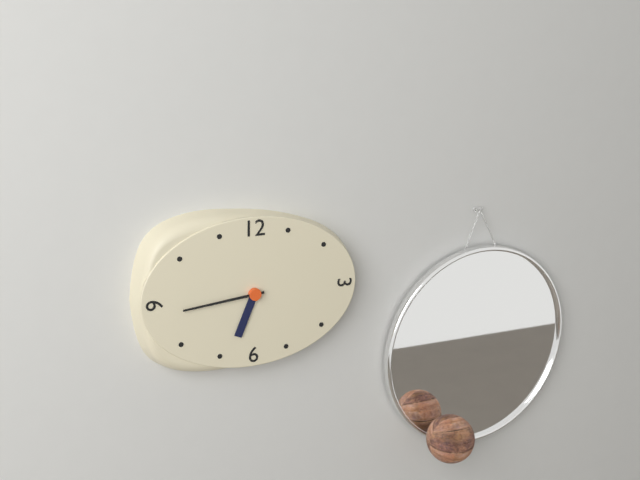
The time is **6:44**
